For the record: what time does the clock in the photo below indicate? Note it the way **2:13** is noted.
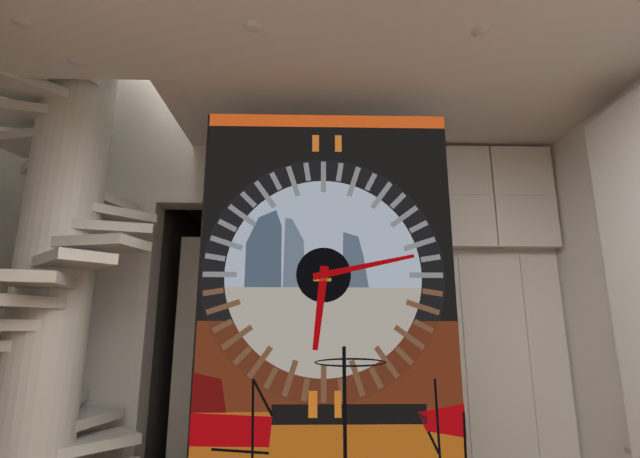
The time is **6:13**
